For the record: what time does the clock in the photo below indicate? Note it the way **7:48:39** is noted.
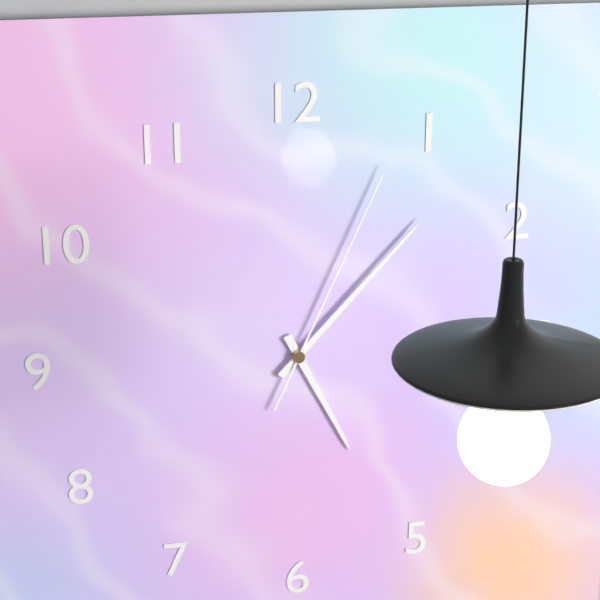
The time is **5:07:04**
